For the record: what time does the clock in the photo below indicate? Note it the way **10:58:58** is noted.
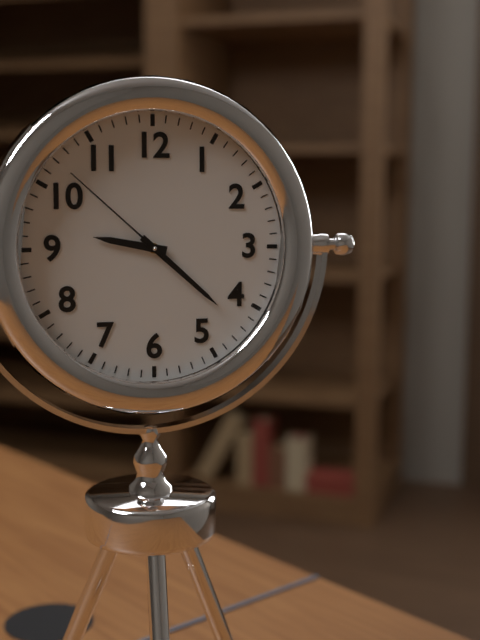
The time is **9:22:52**
